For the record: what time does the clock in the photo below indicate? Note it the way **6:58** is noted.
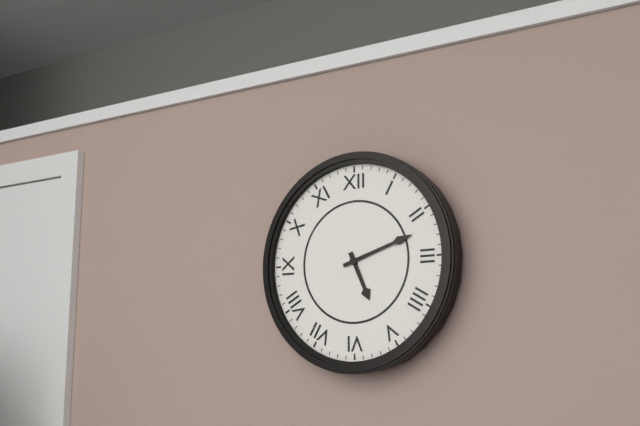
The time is **5:12**
